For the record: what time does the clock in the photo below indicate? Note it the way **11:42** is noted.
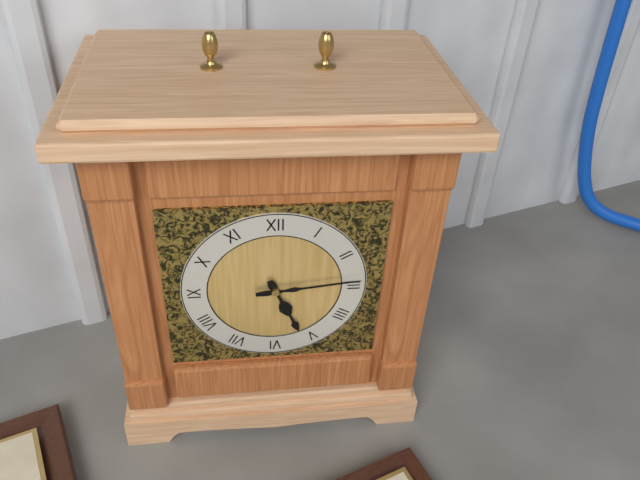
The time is **5:14**
